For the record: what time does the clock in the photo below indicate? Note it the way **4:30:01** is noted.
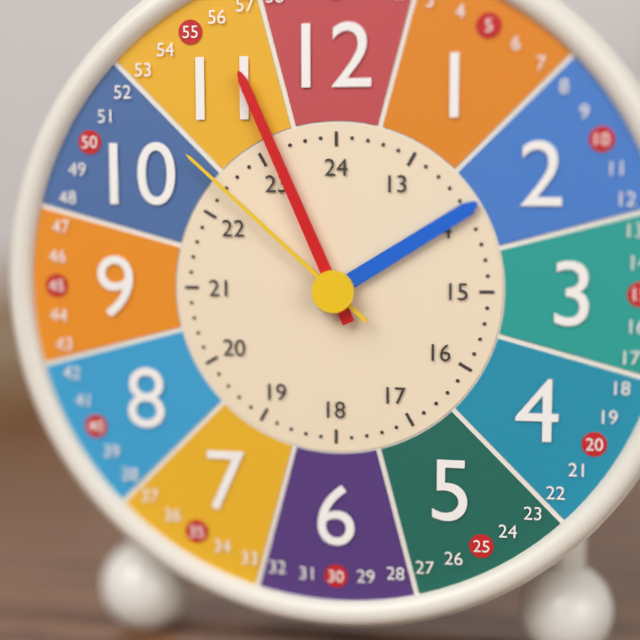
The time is **1:56:52**
